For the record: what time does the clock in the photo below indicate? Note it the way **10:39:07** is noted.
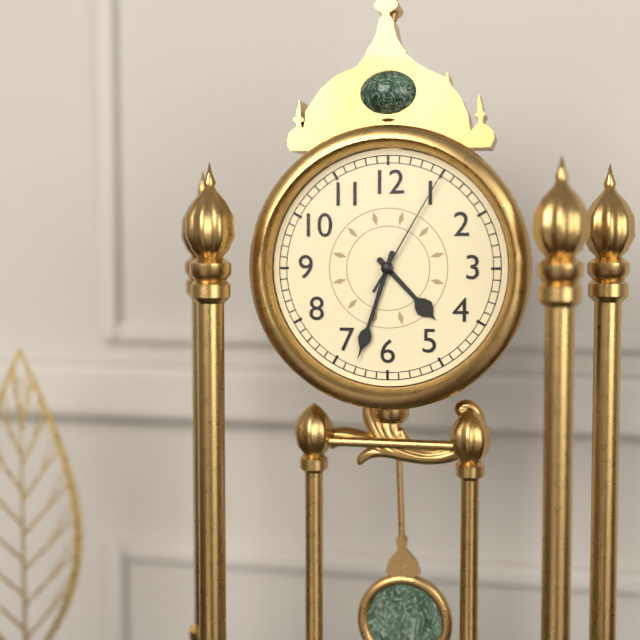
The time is **4:33:05**
